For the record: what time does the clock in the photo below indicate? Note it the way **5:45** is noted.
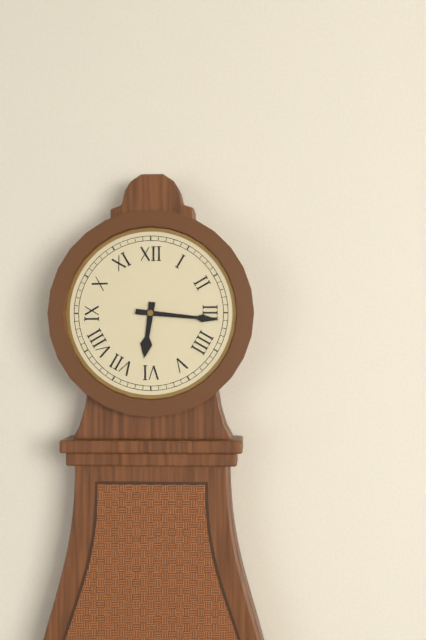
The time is **6:16**
